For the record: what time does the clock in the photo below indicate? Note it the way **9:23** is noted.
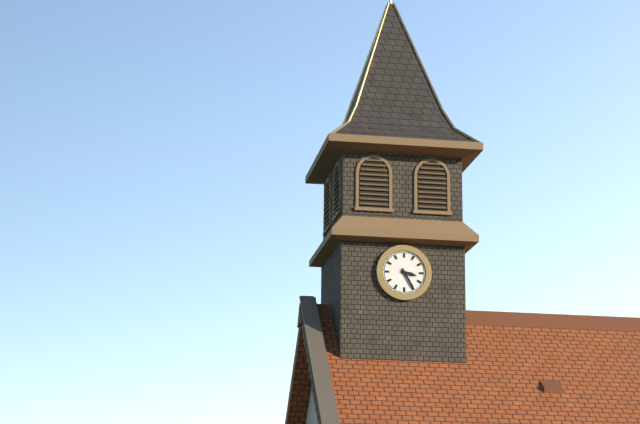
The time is **3:25**
